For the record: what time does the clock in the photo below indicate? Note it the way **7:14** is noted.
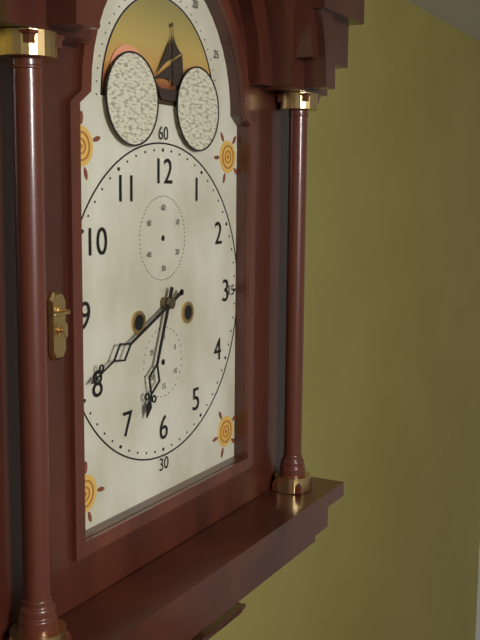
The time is **6:41**
